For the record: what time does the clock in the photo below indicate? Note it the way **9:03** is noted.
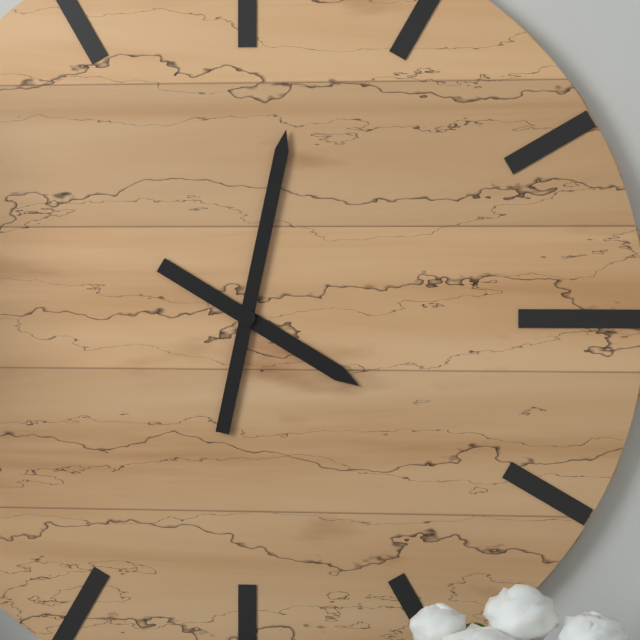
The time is **4:02**
